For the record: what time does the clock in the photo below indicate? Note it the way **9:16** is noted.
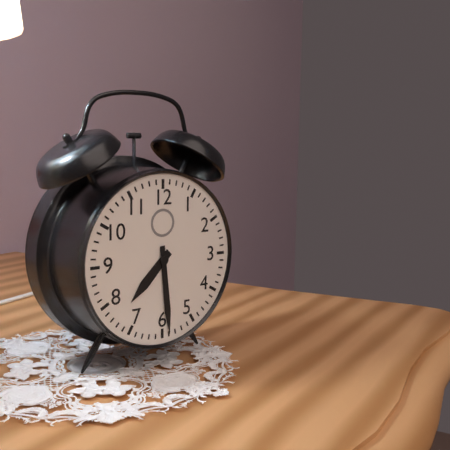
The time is **7:29**
